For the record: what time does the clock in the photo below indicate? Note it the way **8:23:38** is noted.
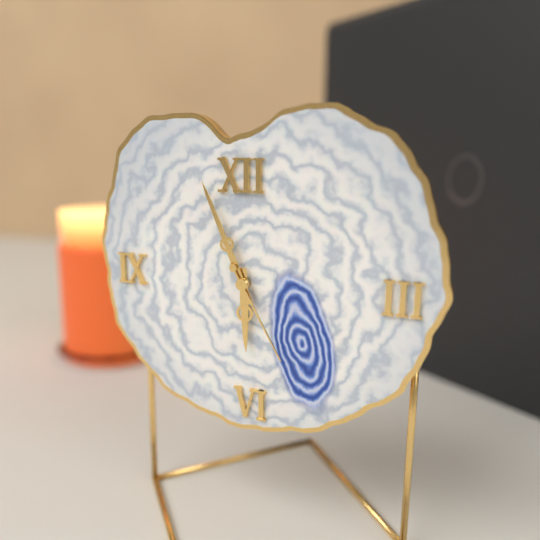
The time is **5:56:25**
